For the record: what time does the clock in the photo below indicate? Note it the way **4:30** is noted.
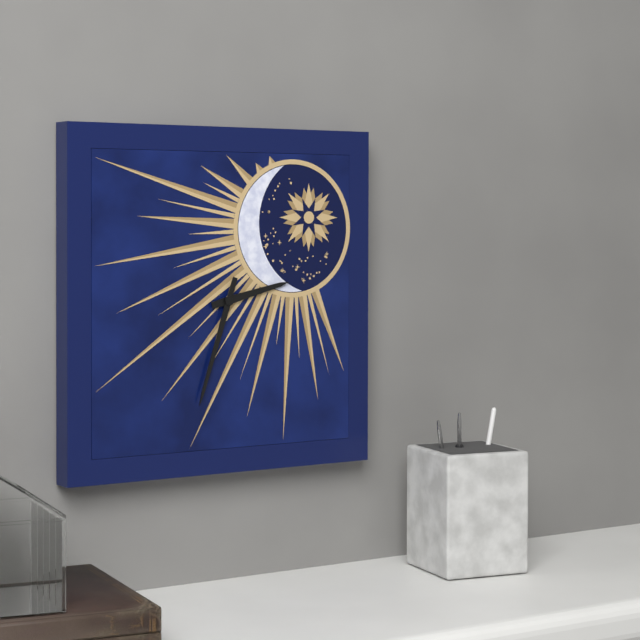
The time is **2:33**
